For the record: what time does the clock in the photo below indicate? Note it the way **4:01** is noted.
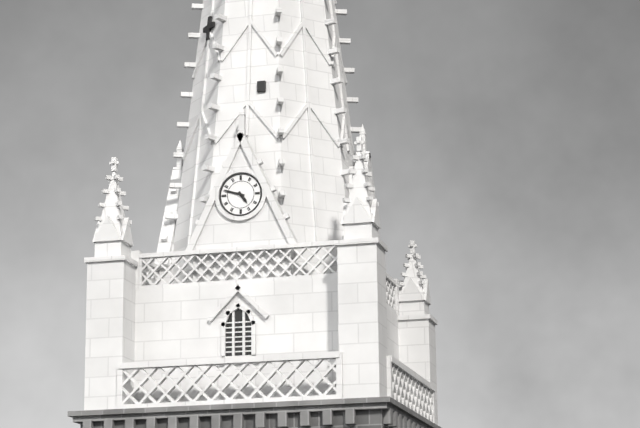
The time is **4:48**
